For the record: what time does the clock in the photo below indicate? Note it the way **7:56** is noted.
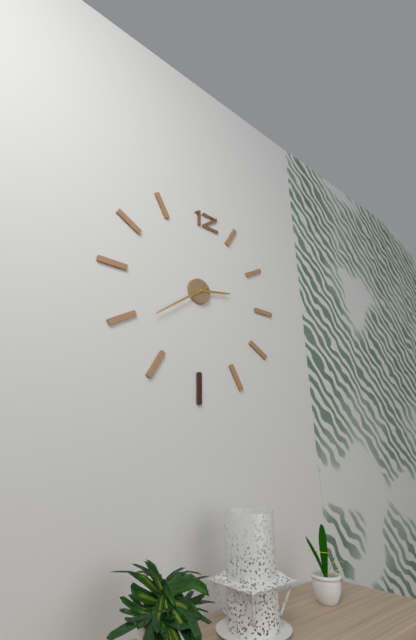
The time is **2:39**
